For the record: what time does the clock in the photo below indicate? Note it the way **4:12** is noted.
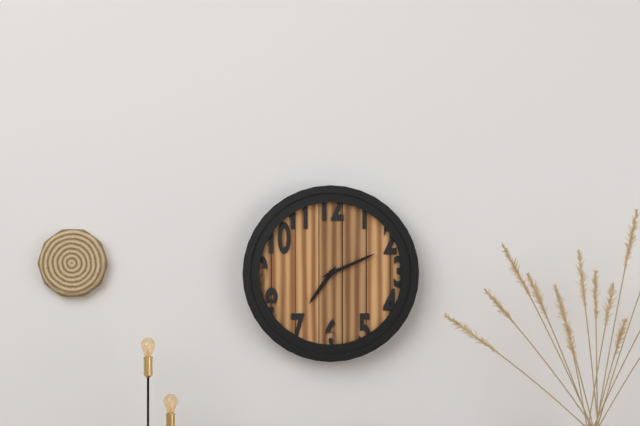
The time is **7:11**
